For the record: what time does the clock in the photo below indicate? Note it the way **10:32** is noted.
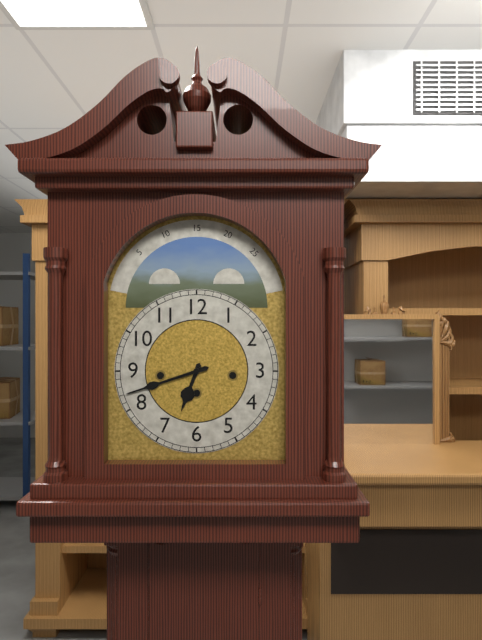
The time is **6:42**
